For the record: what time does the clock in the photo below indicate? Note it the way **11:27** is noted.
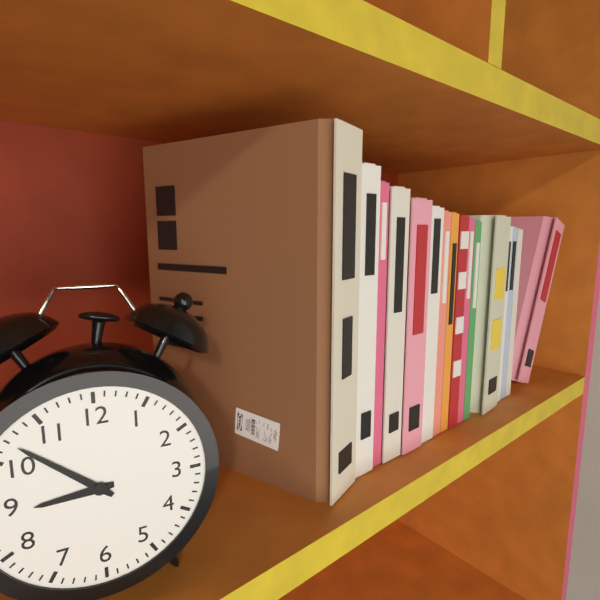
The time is **8:52**
